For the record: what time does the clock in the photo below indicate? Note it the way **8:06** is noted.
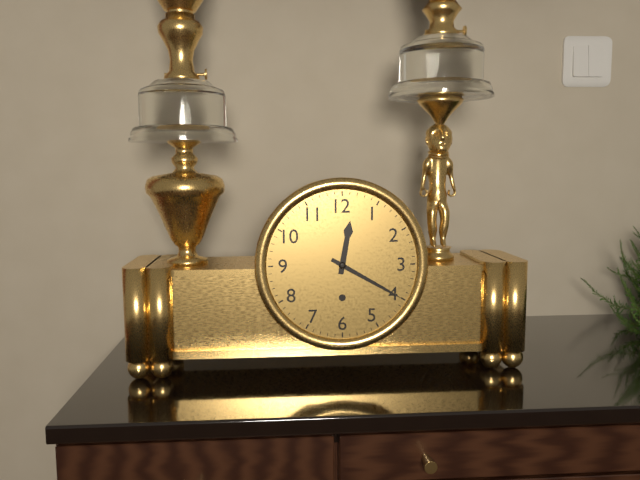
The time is **12:20**
